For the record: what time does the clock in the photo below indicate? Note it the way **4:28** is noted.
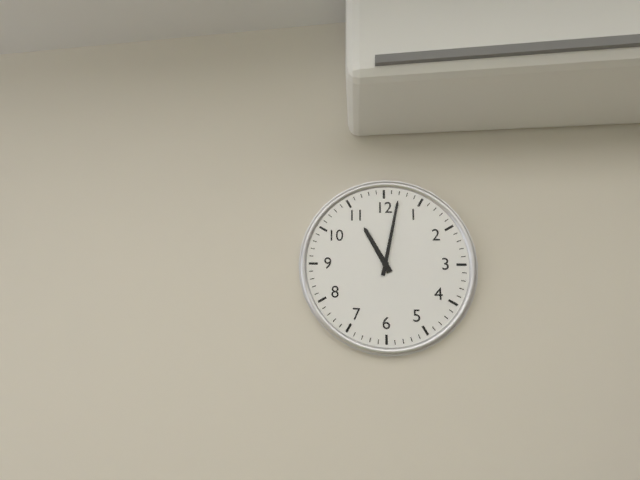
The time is **11:02**
